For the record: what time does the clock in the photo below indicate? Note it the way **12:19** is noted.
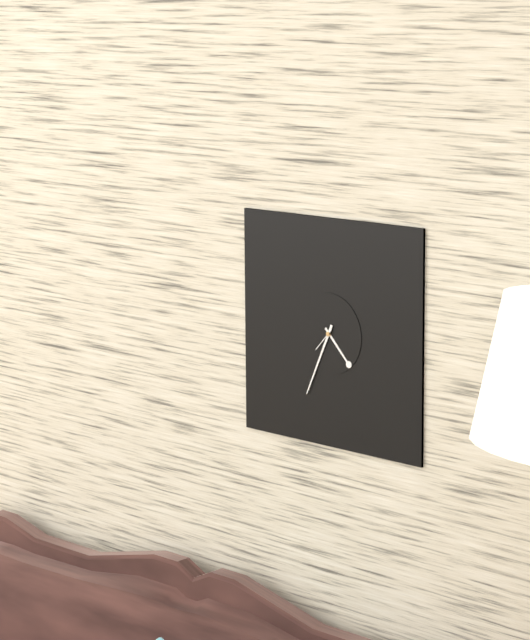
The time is **4:34**
